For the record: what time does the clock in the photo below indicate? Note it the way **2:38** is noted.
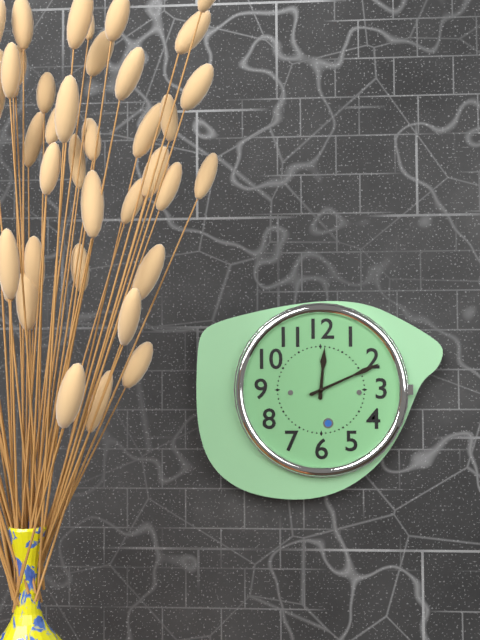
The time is **12:11**
